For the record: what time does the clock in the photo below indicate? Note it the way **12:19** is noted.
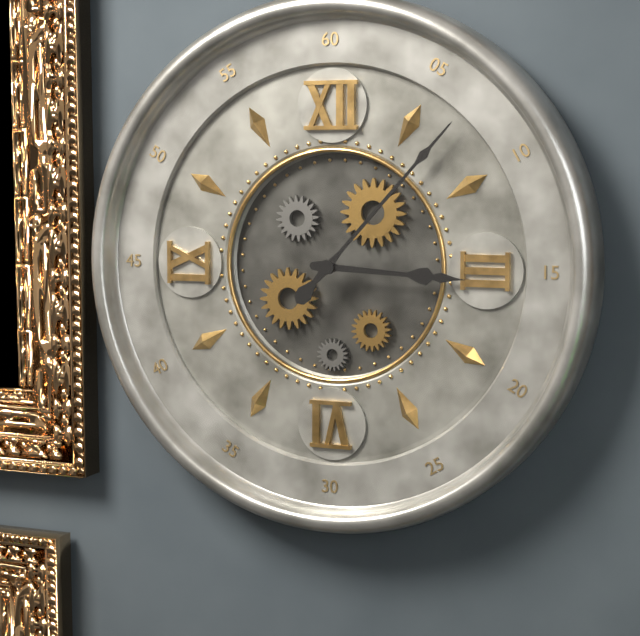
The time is **3:07**
